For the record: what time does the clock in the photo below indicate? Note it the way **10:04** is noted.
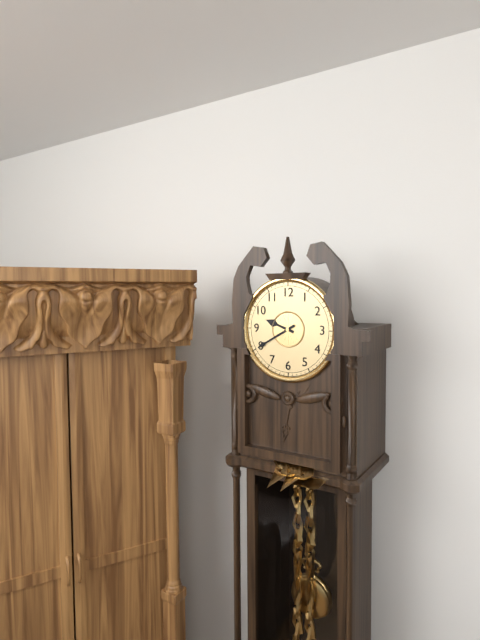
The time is **9:40**
